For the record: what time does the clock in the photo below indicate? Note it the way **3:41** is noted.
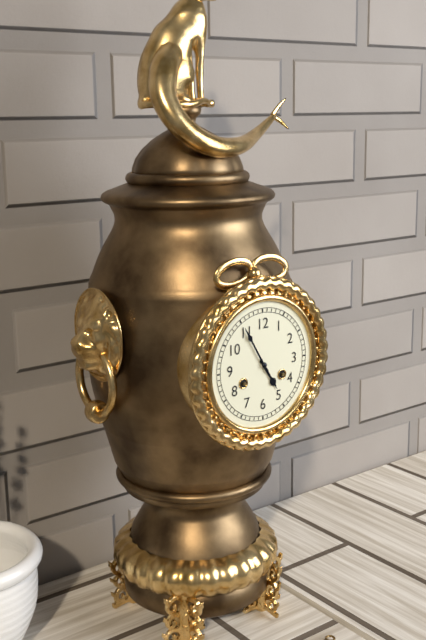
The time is **4:55**
